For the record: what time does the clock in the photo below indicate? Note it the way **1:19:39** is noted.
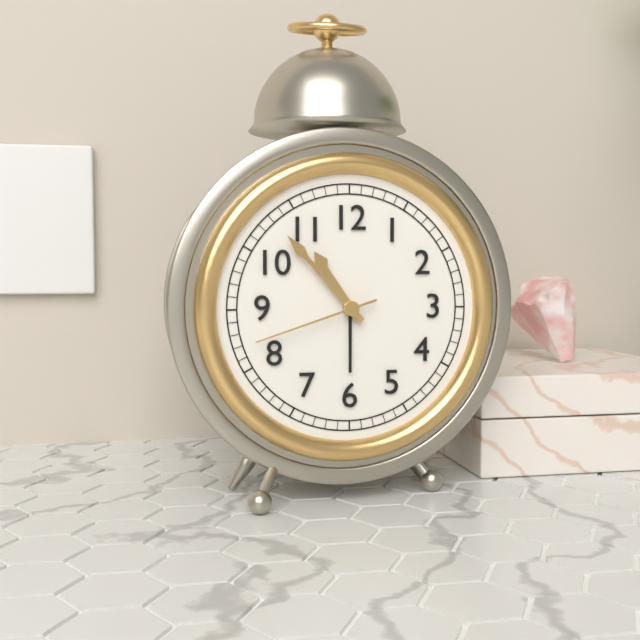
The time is **10:53:42**
